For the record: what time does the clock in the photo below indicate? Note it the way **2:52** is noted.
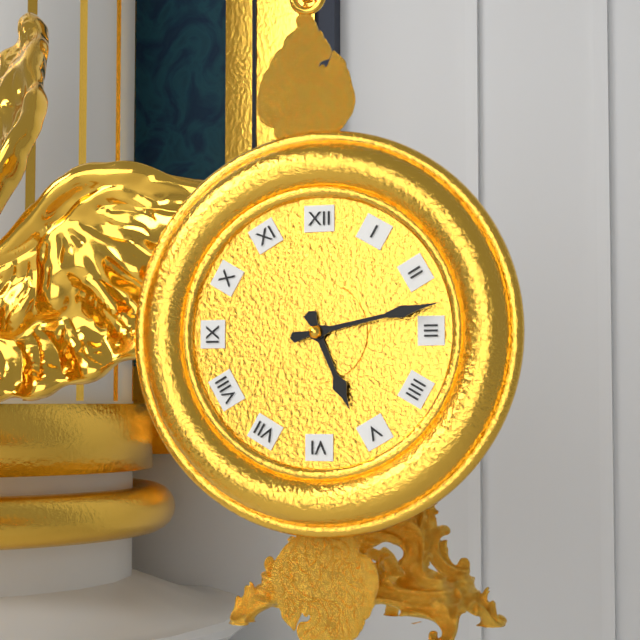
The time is **5:13**
